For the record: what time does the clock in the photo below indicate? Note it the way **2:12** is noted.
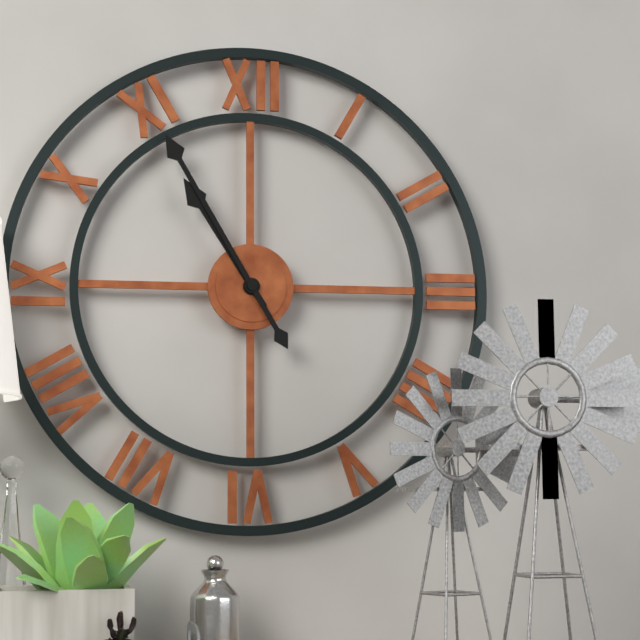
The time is **10:55**
